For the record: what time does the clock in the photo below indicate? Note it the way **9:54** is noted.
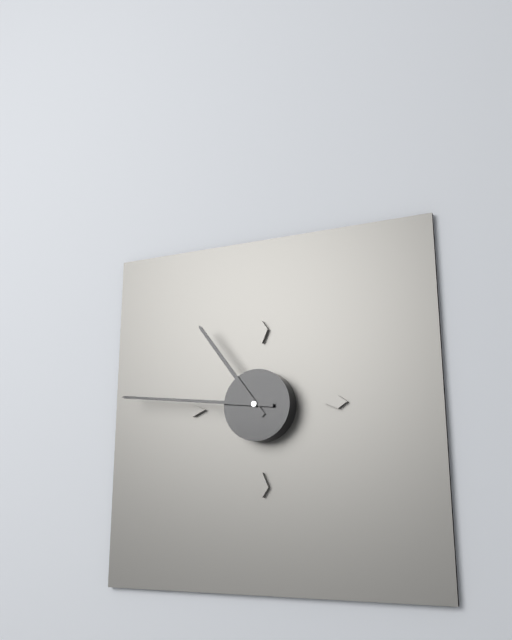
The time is **10:46**
